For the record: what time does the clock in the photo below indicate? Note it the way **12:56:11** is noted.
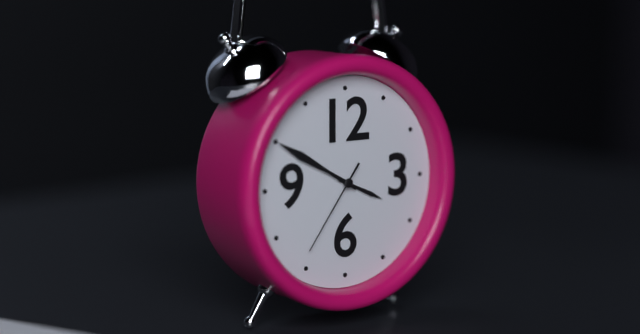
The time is **3:50:36**
